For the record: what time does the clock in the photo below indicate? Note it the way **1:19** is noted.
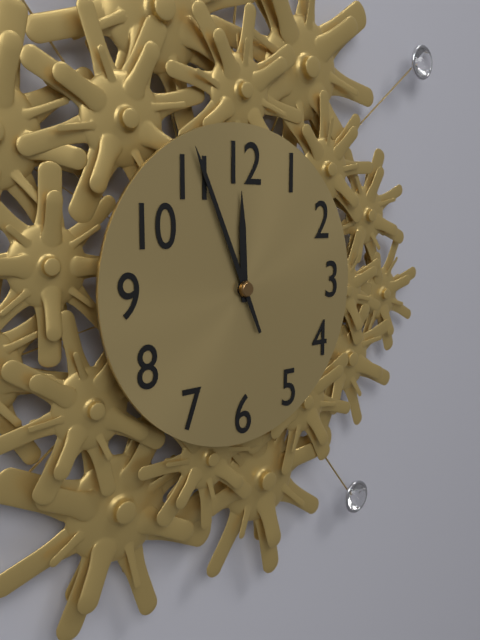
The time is **11:56**
